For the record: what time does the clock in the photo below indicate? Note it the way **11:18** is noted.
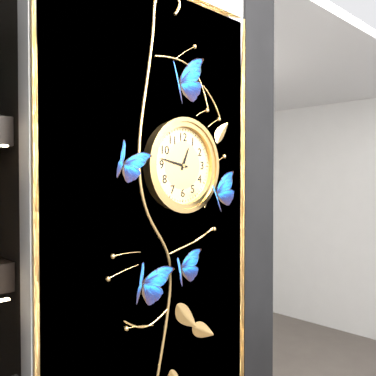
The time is **12:47**
